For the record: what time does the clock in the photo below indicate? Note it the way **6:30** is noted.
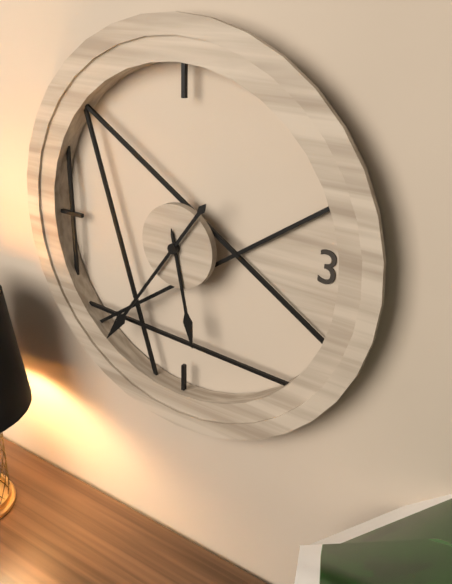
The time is **5:36**
